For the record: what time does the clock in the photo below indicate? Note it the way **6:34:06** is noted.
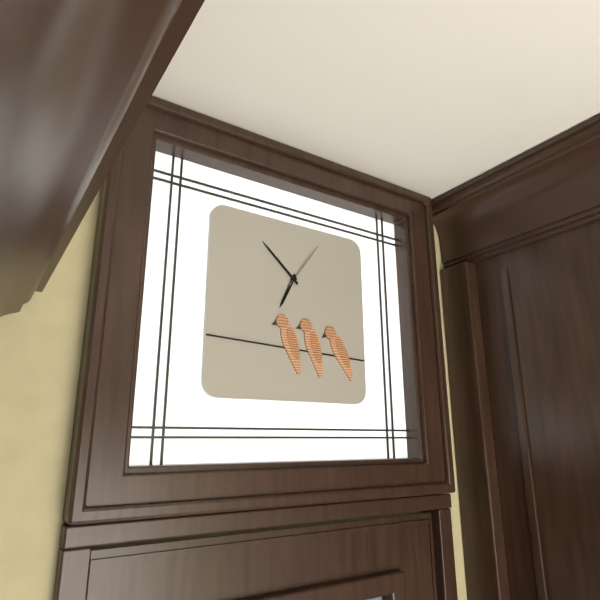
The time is **6:52:06**
